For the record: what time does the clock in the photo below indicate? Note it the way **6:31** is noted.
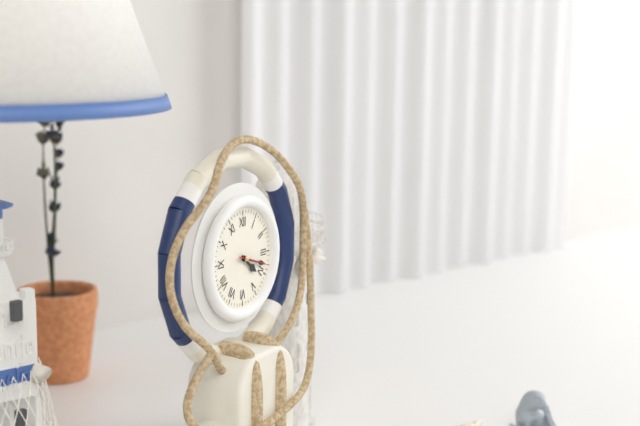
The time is **4:18**
